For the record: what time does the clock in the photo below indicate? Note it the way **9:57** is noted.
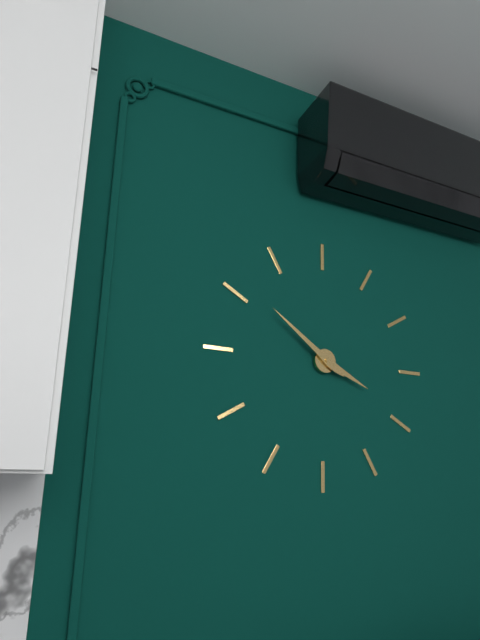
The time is **3:51**
